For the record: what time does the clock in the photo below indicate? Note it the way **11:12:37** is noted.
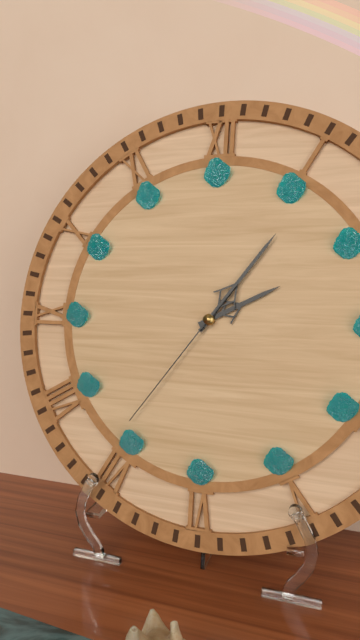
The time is **2:06:36**
